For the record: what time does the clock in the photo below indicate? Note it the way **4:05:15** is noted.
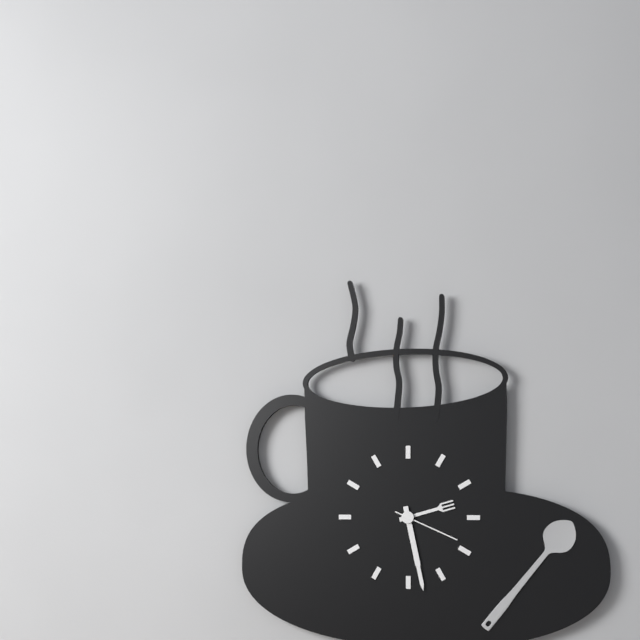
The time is **2:28:19**
